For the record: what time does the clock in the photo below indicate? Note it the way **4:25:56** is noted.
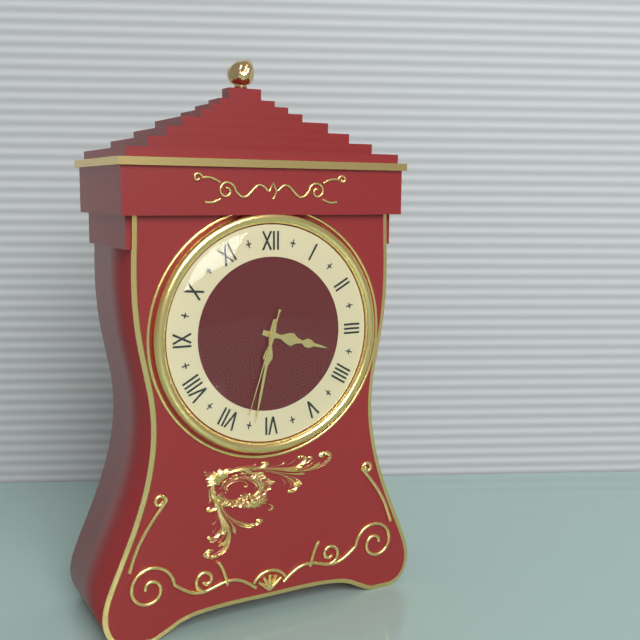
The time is **3:32:33**
